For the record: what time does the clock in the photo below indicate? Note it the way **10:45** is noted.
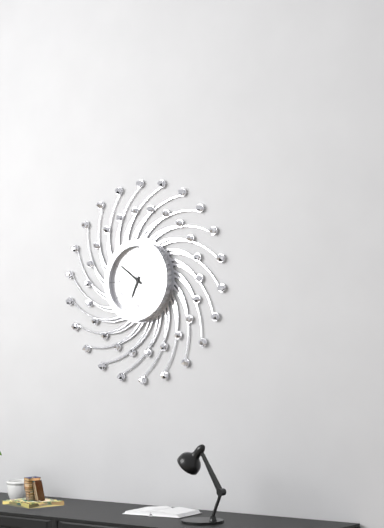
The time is **6:51**
